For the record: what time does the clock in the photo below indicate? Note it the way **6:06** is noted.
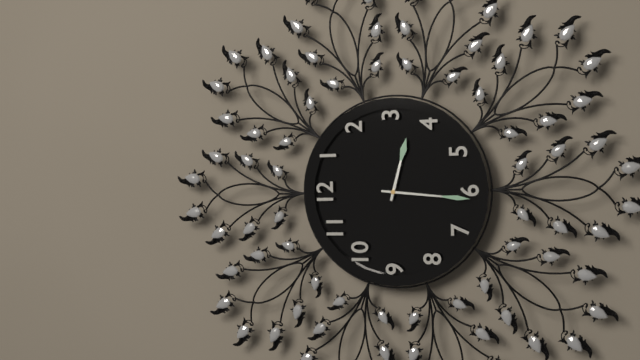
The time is **3:31**
